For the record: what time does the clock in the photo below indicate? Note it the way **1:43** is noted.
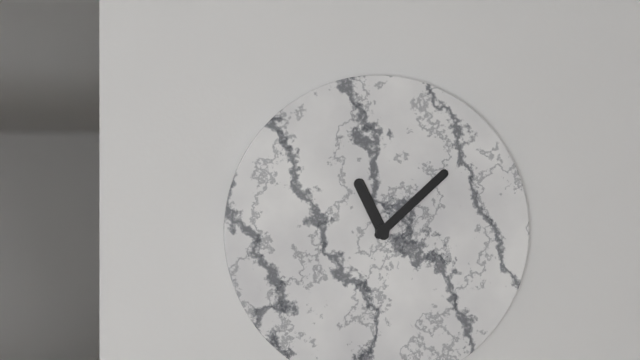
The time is **11:08**
